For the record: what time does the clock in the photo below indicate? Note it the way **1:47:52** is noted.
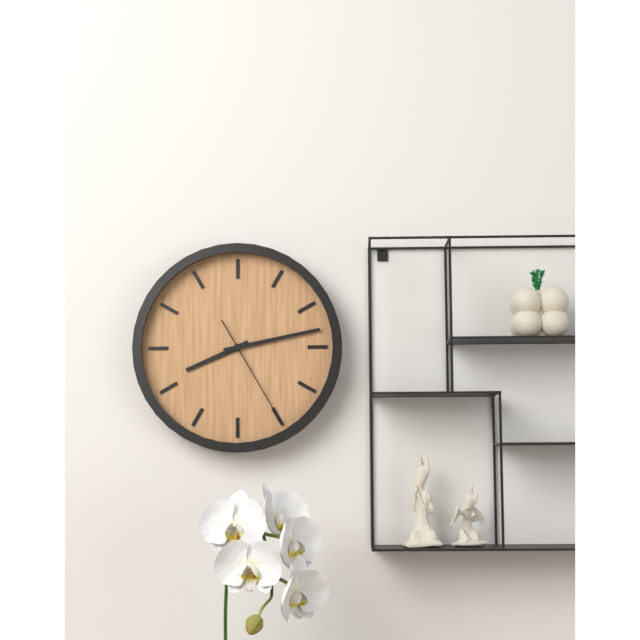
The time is **8:13:25**
